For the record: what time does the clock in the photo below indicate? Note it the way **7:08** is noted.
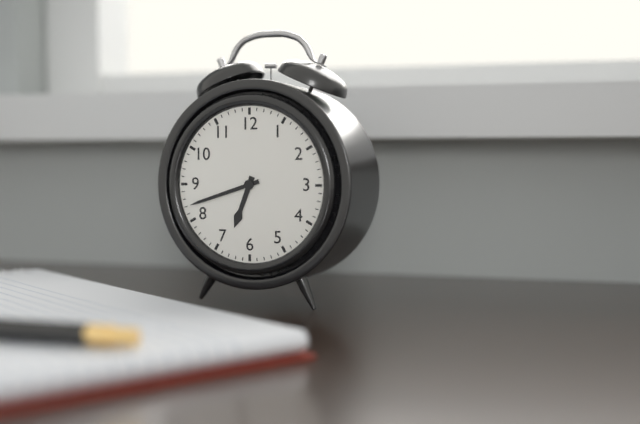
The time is **6:42**
